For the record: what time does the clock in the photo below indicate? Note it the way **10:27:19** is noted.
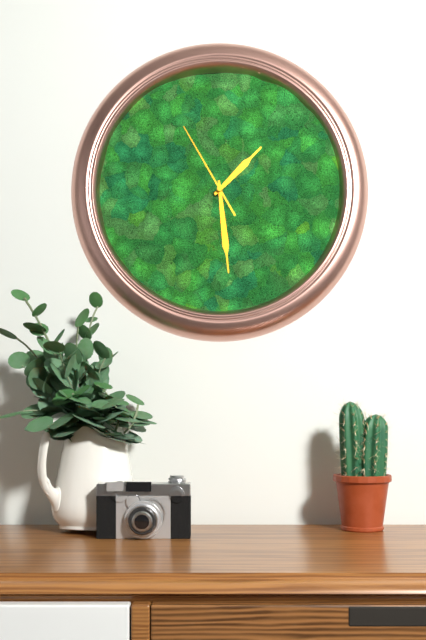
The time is **1:29:55**
